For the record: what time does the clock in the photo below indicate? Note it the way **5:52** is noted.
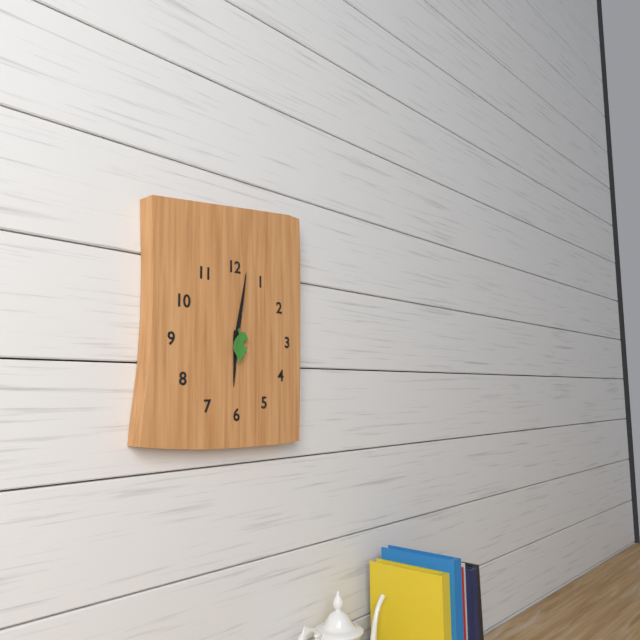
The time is **6:02**
